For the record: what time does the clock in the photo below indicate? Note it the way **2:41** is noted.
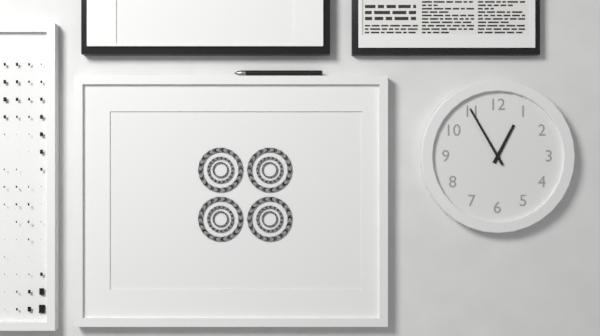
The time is **12:55**
